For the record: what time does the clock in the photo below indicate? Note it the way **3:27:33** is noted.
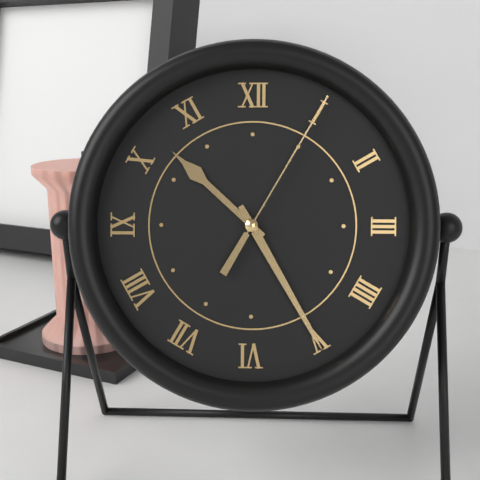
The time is **10:25:05**
